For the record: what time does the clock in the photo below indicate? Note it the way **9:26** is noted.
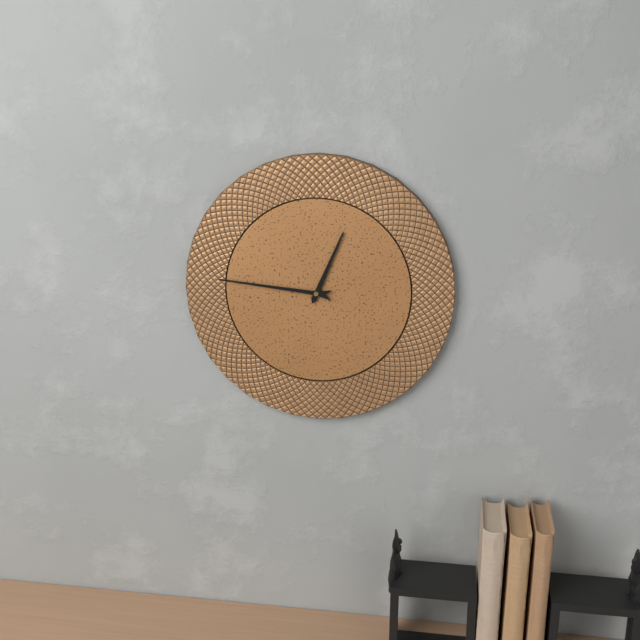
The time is **12:46**
